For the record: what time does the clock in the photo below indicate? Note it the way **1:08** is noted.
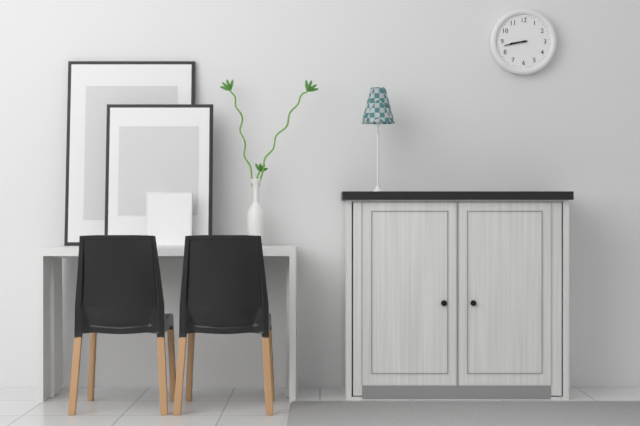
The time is **8:43**
